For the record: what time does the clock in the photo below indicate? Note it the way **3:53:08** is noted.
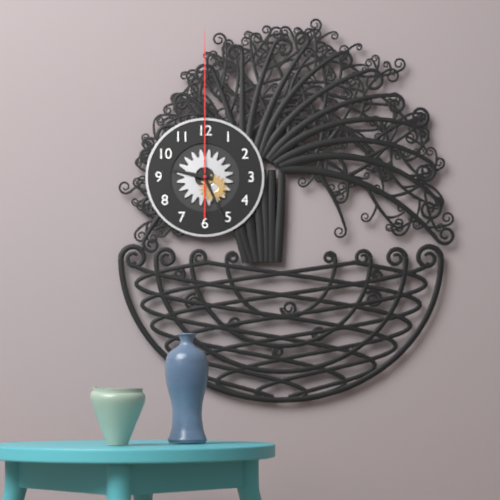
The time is **9:26:00**
